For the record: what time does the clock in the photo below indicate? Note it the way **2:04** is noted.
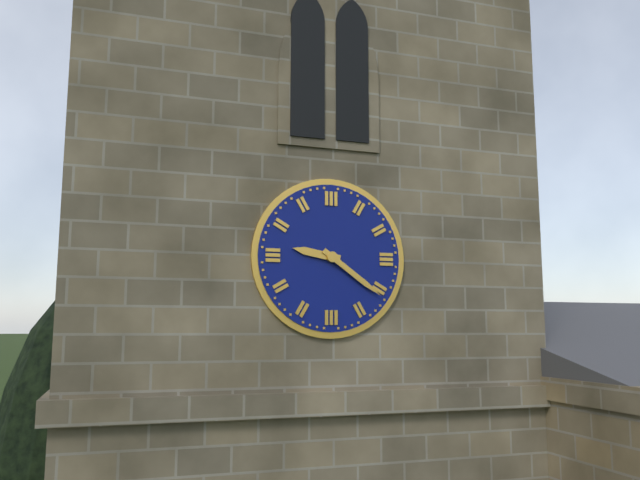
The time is **9:21**
